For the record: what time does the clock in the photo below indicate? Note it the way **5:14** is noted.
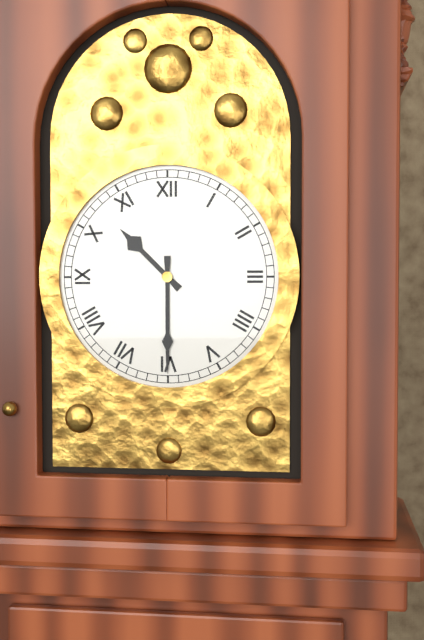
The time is **10:30**
